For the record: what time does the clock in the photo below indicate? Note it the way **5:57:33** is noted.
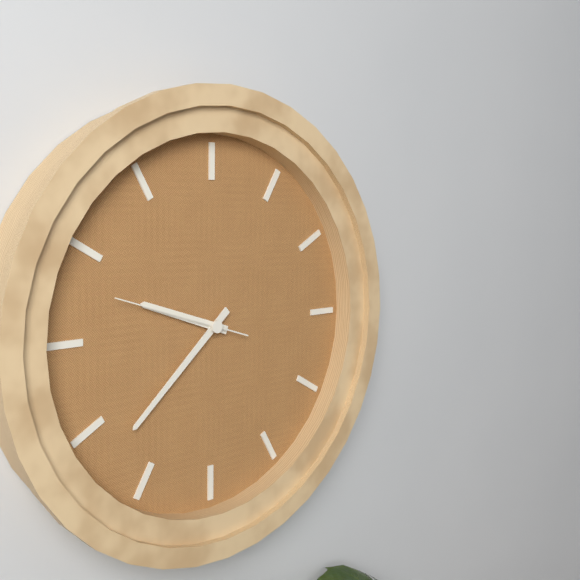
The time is **9:38:48**
